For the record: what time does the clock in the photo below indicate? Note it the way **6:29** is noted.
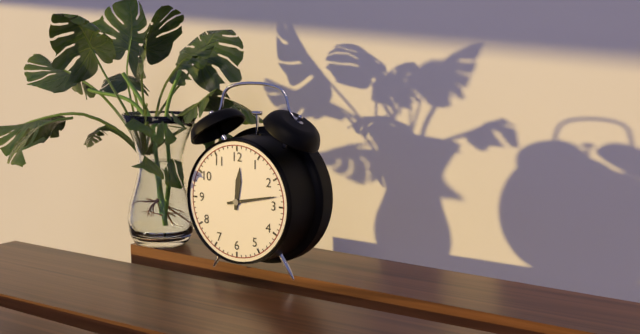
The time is **12:13**
